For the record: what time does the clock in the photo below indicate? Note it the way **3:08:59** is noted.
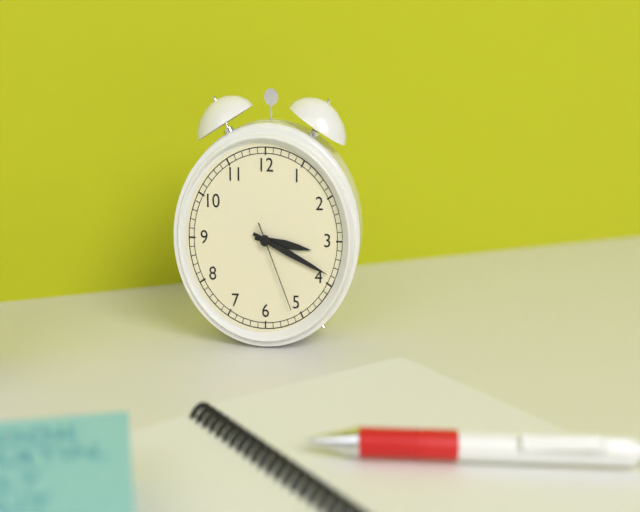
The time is **3:19:26**
